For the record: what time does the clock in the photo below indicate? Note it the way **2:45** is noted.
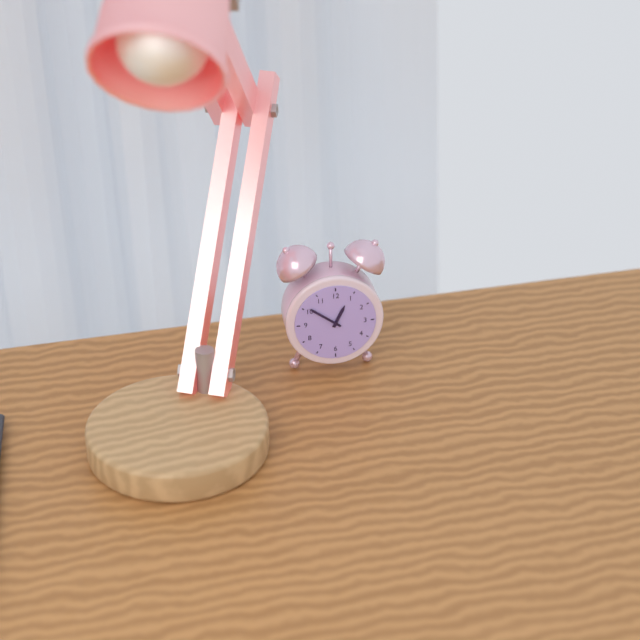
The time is **12:51**
